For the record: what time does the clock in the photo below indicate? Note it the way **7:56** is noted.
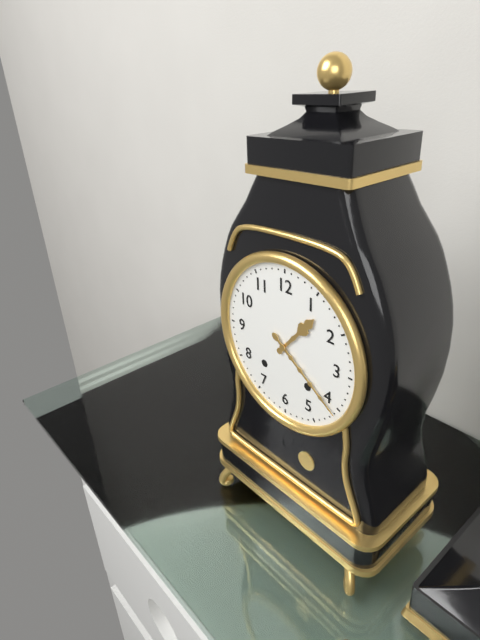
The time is **1:21**
